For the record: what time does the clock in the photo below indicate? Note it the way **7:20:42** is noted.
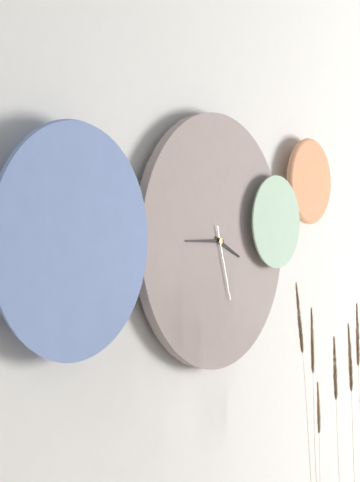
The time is **3:45:27**
